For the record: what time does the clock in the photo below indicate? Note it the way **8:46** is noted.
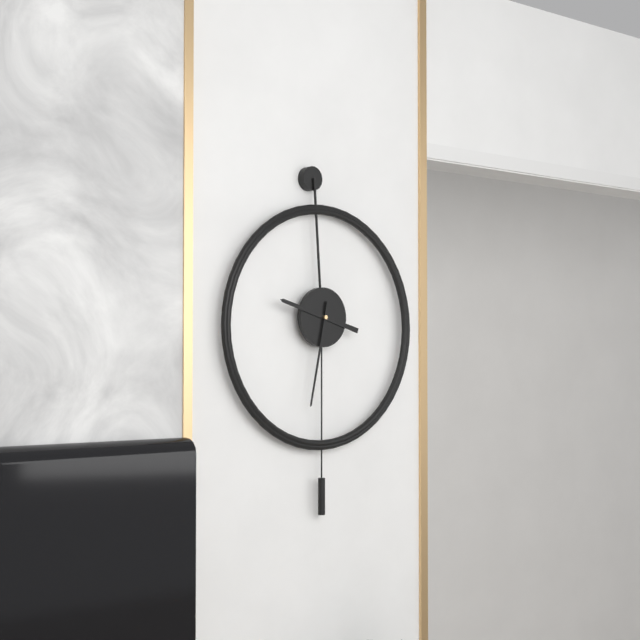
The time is **9:32**
